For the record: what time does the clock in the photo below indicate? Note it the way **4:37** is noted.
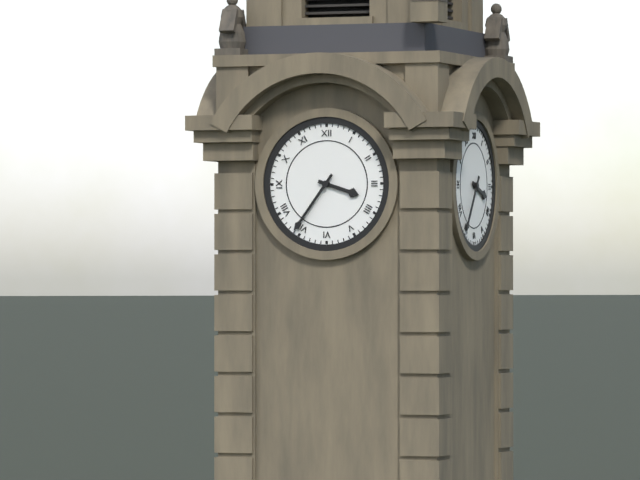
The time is **3:36**
